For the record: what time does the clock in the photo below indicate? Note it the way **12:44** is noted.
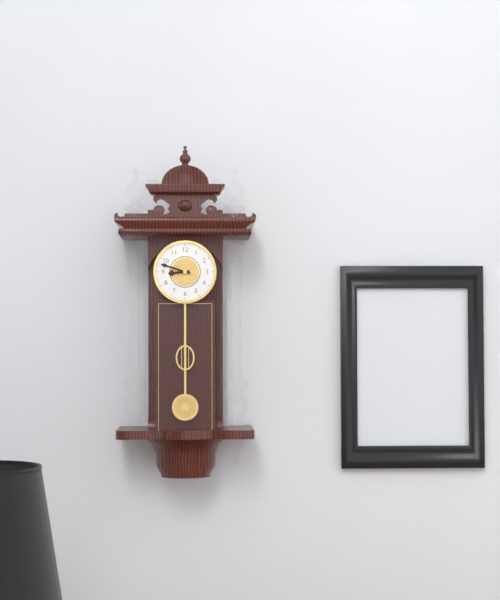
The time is **8:48**
